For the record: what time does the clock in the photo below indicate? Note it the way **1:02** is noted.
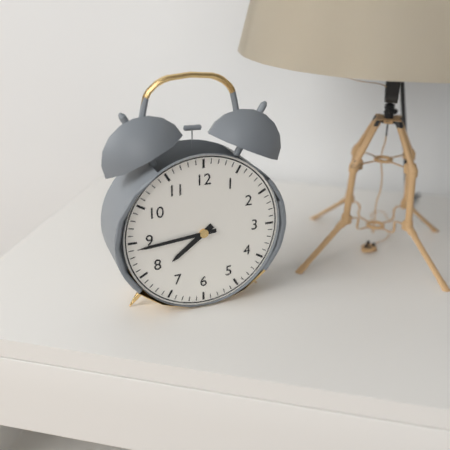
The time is **7:44**
